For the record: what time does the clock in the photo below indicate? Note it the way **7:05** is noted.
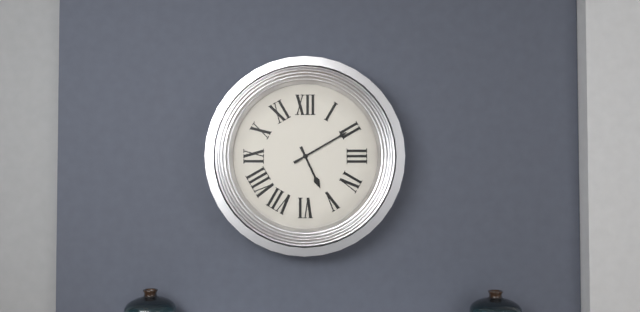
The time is **5:10**
